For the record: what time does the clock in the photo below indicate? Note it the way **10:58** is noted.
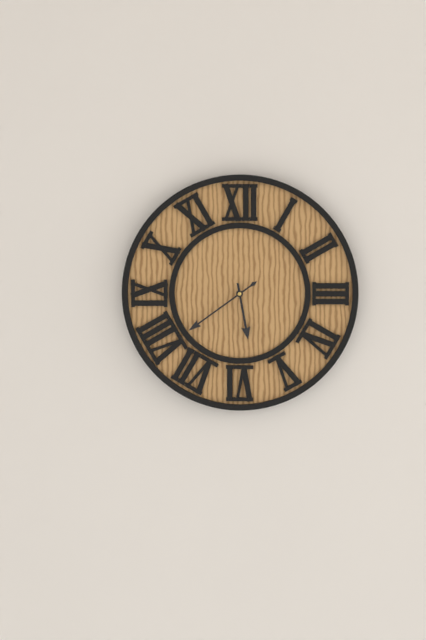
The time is **5:39**
